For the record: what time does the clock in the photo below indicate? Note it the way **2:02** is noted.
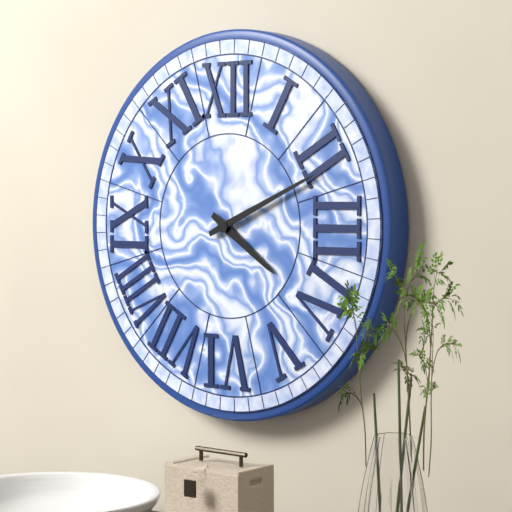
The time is **4:11**
